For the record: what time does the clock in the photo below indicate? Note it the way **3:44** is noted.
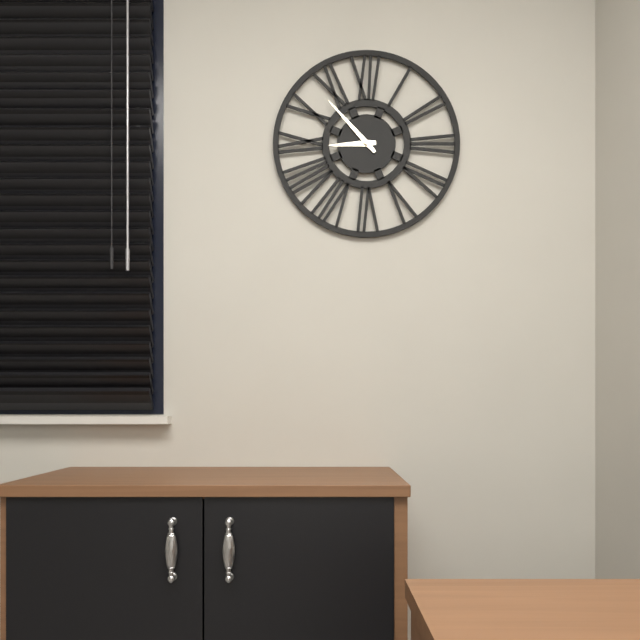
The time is **8:53**
